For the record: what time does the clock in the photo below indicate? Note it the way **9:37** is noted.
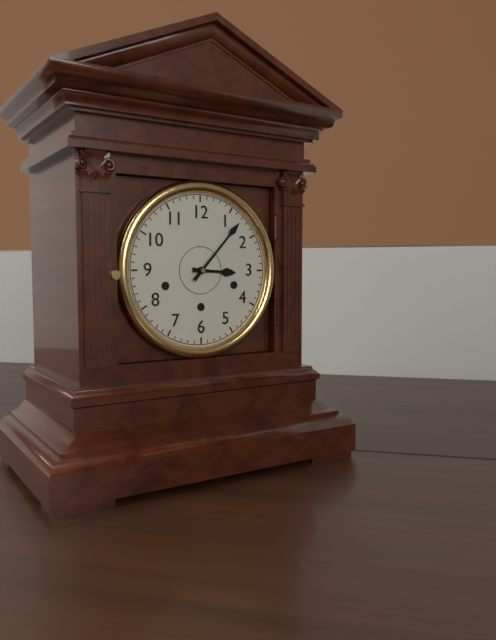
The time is **3:07**
